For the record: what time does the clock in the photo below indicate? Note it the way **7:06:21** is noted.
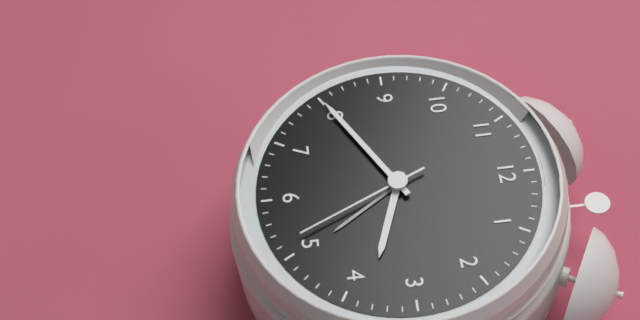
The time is **3:40:26**
